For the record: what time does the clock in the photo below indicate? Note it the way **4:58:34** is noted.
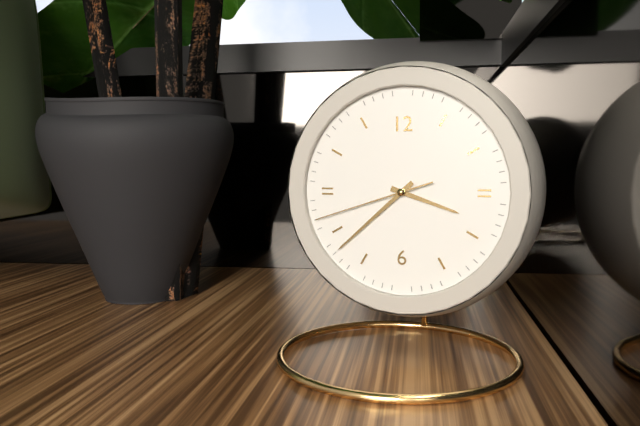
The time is **3:38:42**
